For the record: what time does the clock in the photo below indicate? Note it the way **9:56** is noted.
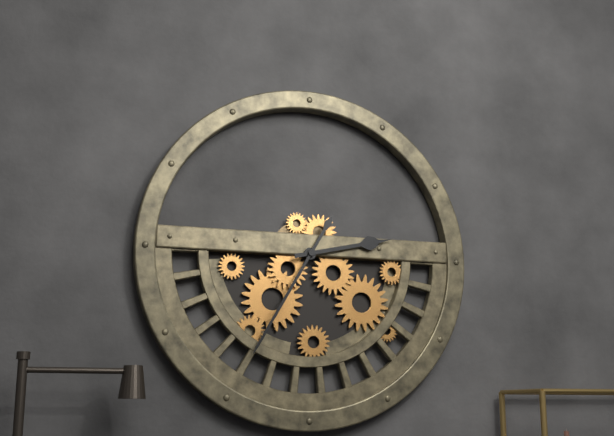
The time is **2:35**
